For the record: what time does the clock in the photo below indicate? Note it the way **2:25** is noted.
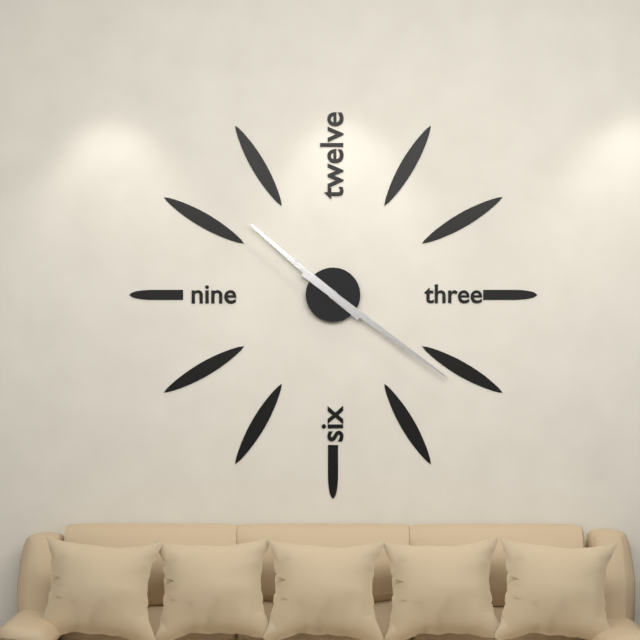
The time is **10:21**
